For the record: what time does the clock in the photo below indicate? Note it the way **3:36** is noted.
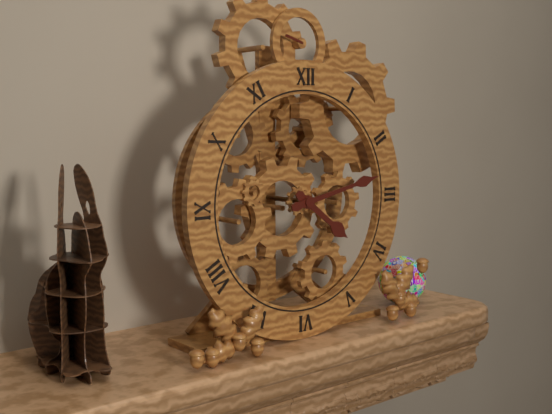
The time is **4:13**
